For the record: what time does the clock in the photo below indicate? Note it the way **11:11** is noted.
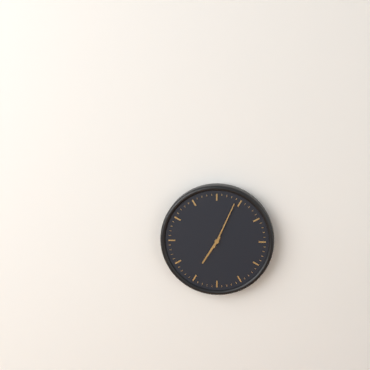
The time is **7:04**
